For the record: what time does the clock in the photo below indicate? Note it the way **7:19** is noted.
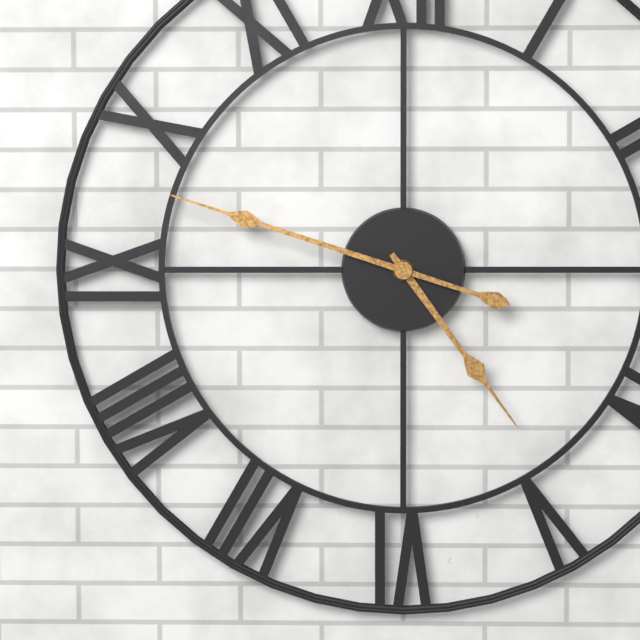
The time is **4:48**
